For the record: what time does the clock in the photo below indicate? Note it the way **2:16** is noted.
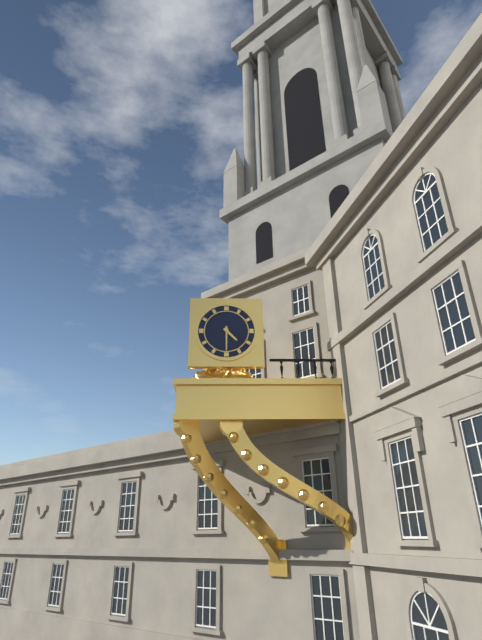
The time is **4:30**
